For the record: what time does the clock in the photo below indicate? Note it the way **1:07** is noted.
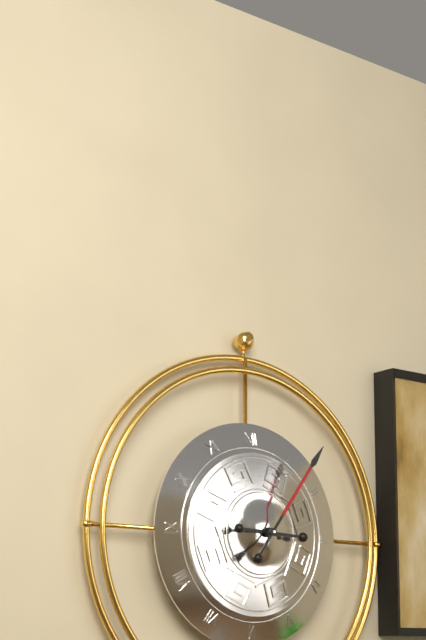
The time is **3:06**
